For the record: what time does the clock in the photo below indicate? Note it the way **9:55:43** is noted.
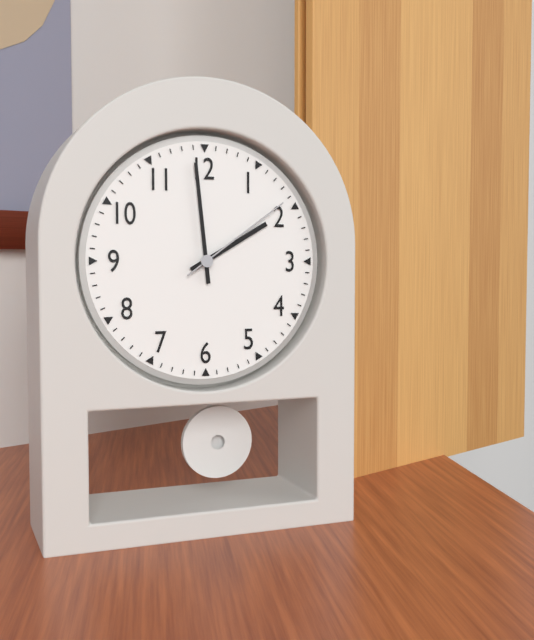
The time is **1:59:09**
